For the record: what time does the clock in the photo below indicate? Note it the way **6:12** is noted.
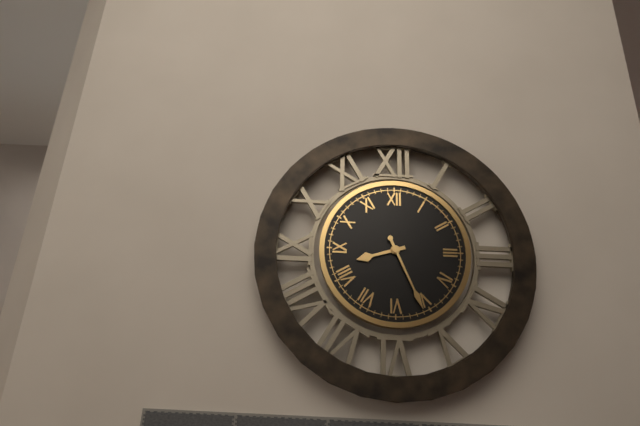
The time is **8:26**
